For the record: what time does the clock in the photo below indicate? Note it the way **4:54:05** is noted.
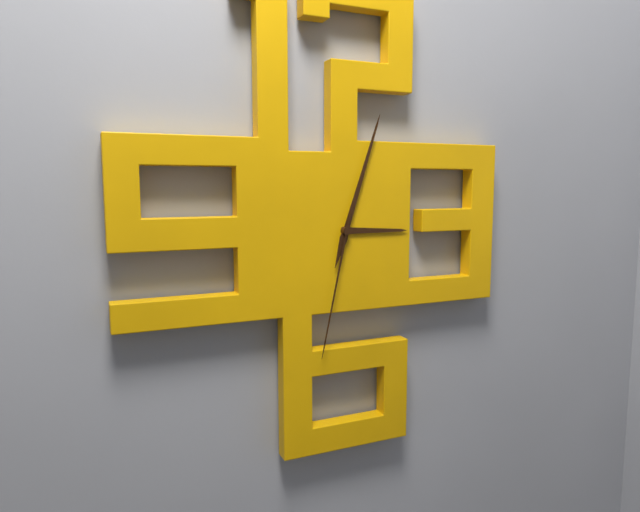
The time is **3:03:32**
